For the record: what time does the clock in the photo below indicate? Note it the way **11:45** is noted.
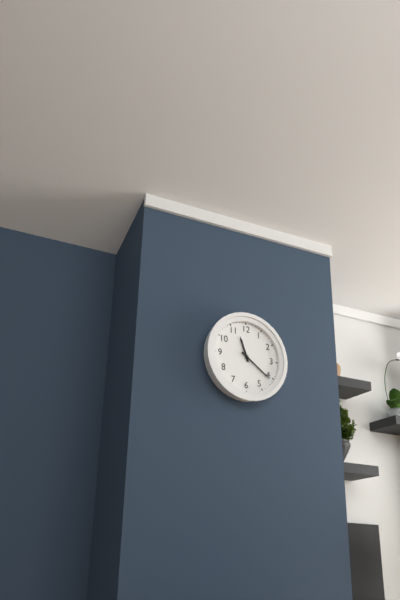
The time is **11:21**
